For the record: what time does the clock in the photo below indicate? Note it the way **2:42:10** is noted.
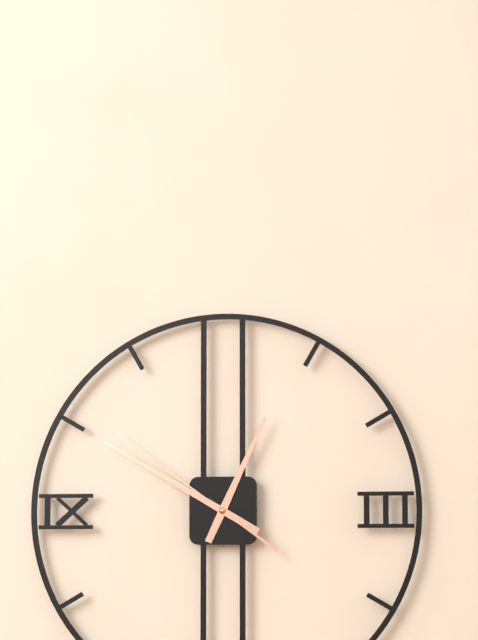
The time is **12:50:51**
